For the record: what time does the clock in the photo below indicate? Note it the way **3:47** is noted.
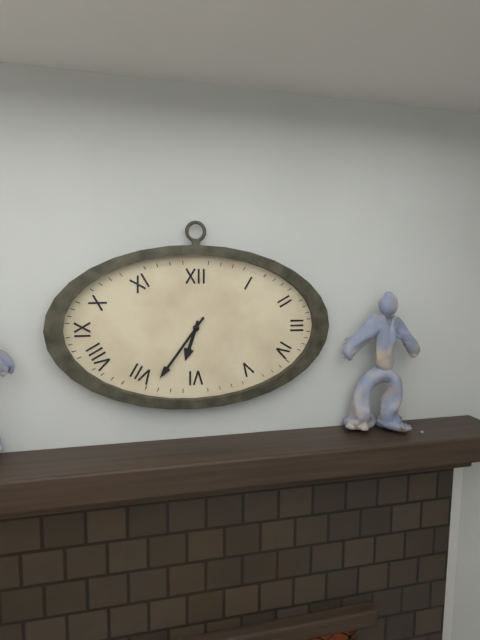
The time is **6:36**
